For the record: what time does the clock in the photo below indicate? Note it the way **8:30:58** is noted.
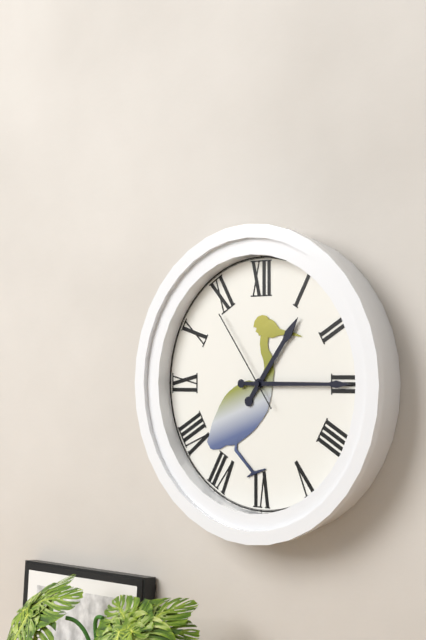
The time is **1:15:54**
